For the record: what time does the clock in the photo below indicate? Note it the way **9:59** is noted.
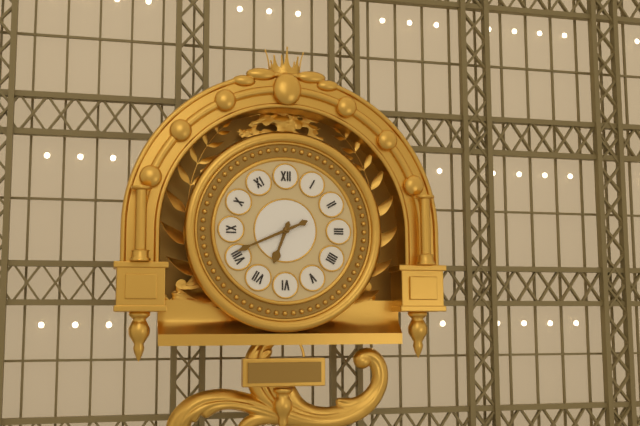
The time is **6:41**
